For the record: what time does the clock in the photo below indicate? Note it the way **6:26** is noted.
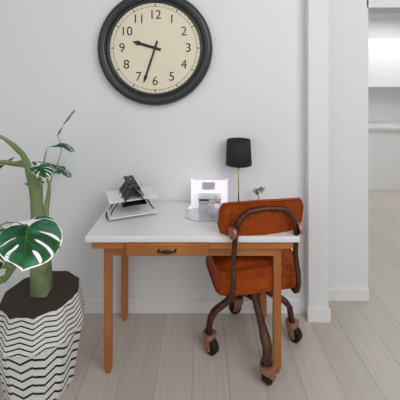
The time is **9:33**
